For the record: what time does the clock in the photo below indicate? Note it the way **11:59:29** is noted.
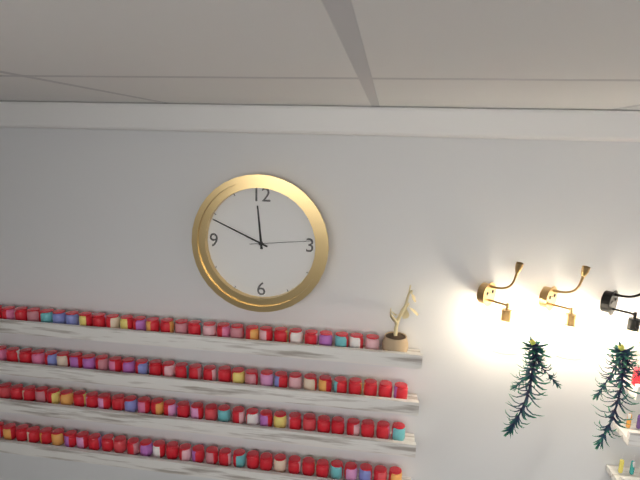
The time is **11:49:14**
